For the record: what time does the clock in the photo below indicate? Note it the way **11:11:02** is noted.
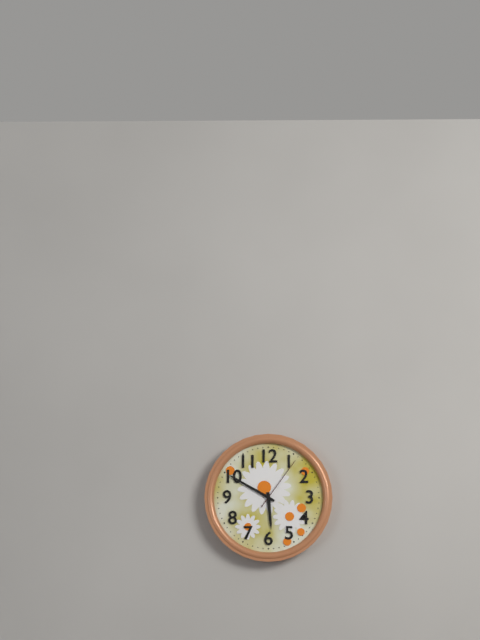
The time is **5:50:06**
